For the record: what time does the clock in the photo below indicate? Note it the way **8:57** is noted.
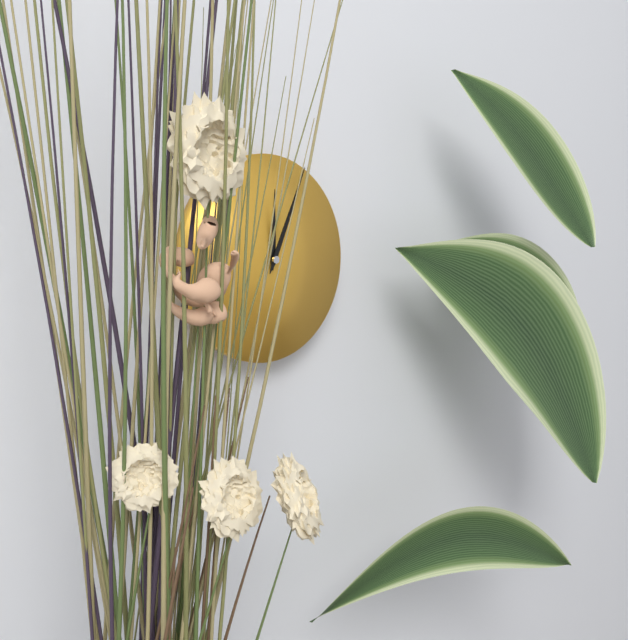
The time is **12:04**
